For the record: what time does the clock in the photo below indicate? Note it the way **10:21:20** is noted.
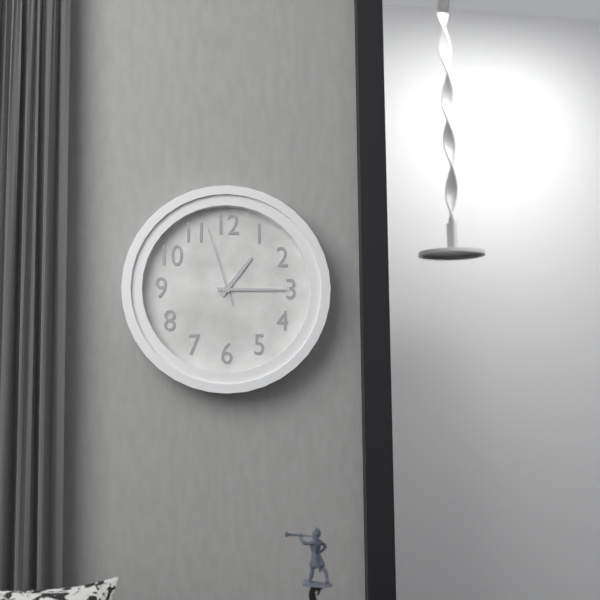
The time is **1:15:57**
